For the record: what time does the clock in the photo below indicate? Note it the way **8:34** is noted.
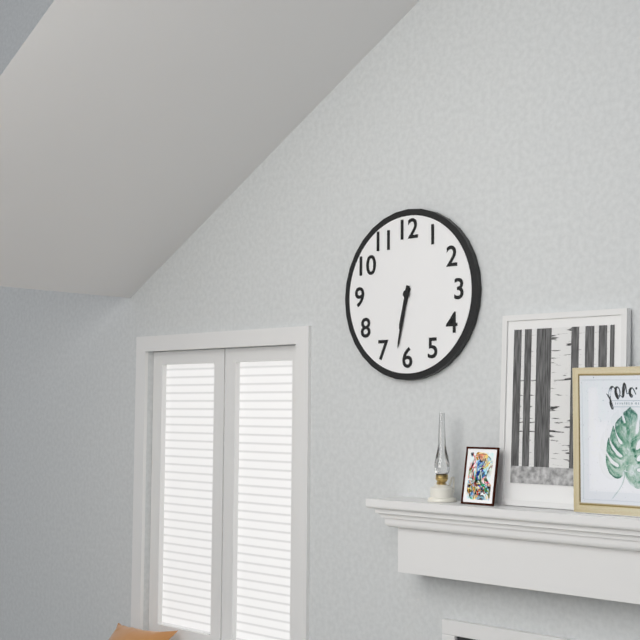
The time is **6:32**
